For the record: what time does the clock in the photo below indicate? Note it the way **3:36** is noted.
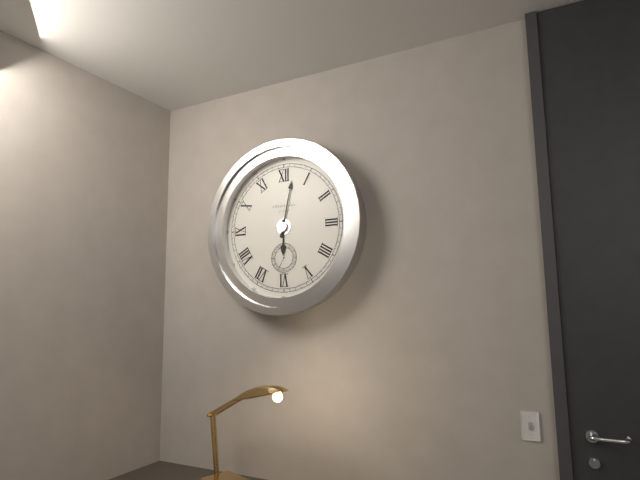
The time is **6:02**
